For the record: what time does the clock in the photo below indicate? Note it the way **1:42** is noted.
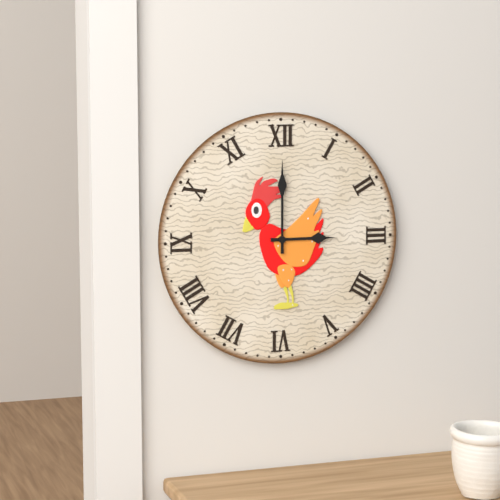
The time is **3:00**
